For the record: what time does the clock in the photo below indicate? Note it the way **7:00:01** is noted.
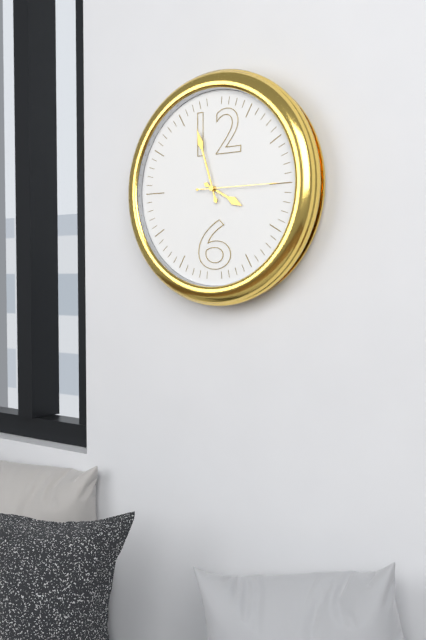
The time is **3:57:15**
